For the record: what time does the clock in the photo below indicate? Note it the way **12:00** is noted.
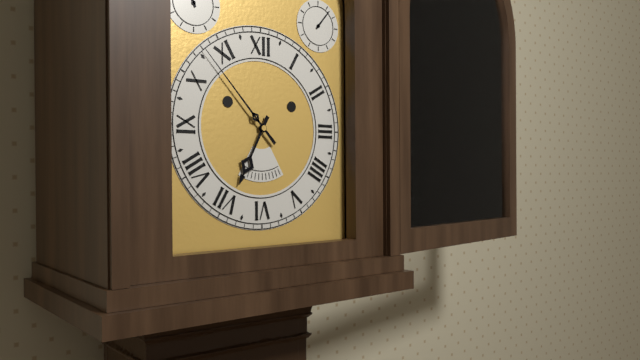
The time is **6:53**
